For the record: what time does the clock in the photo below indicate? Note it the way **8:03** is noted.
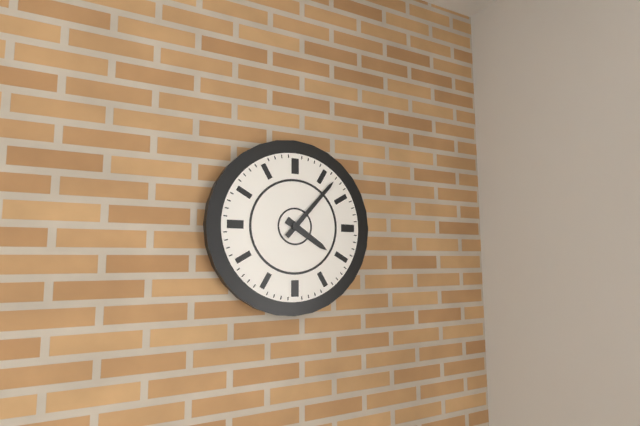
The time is **4:07**
